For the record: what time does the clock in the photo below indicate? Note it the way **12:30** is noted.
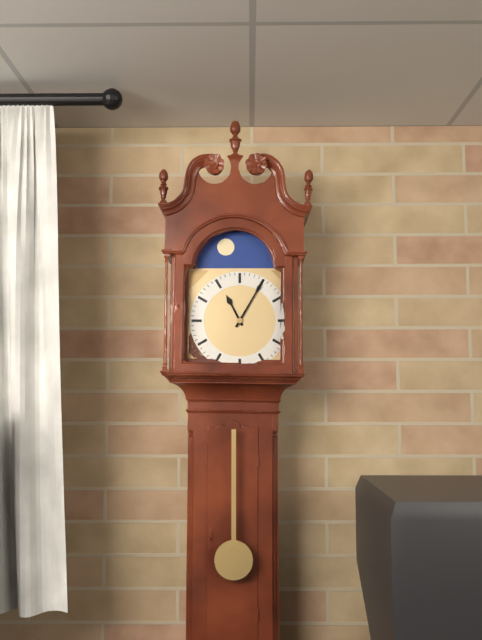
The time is **11:05**
